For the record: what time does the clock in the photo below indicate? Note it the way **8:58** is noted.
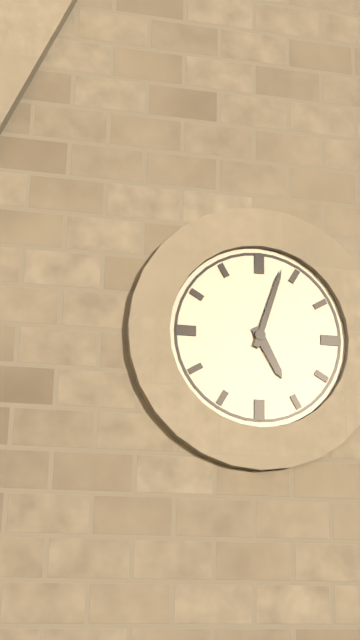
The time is **5:03**
